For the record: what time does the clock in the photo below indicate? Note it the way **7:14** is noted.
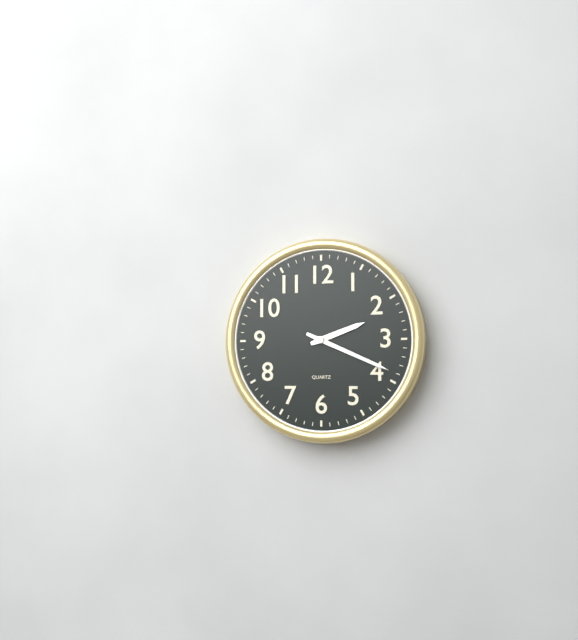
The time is **2:19**
